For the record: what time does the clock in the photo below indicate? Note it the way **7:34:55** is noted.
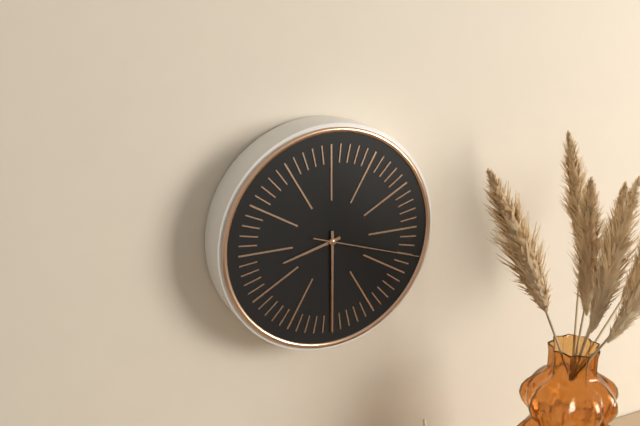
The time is **8:30:18**
